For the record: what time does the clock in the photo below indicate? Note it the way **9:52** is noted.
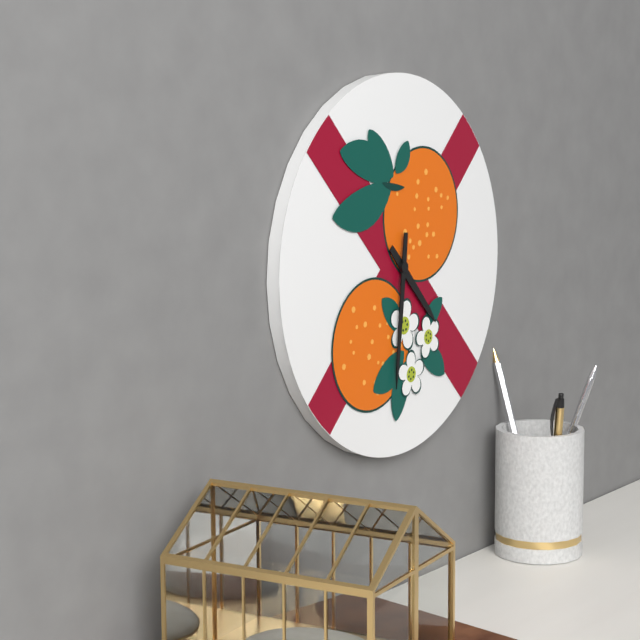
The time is **4:31**
